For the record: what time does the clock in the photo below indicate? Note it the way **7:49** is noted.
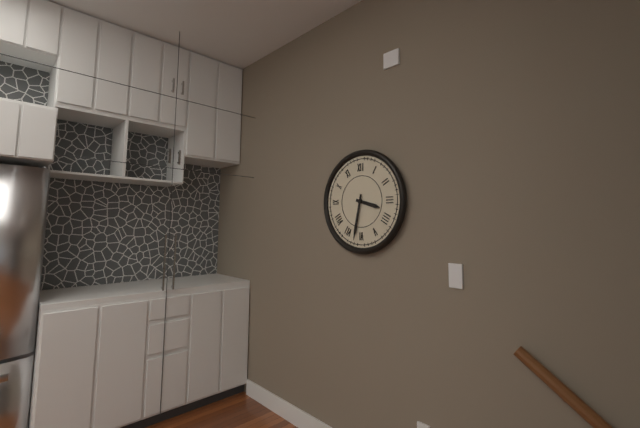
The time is **3:32**
